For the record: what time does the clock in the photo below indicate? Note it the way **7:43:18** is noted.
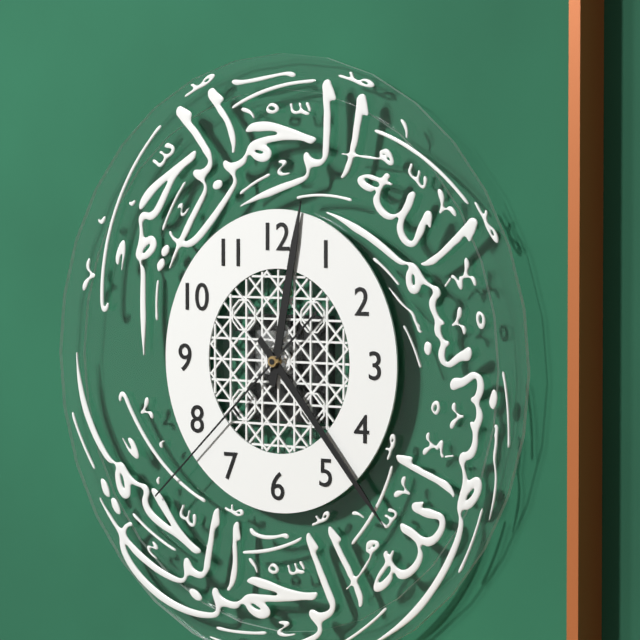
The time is **12:23:38**
